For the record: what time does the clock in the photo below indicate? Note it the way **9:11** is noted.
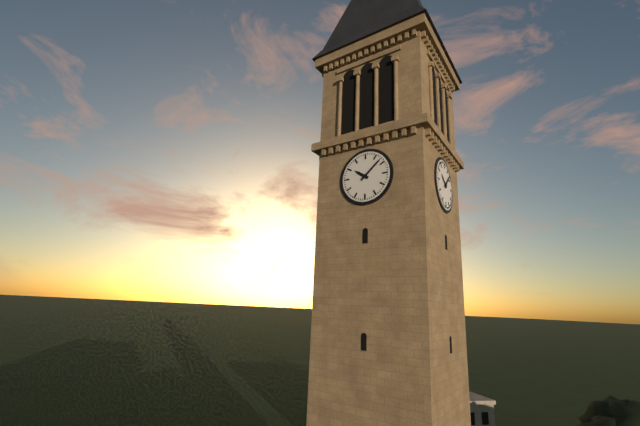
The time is **10:08**
